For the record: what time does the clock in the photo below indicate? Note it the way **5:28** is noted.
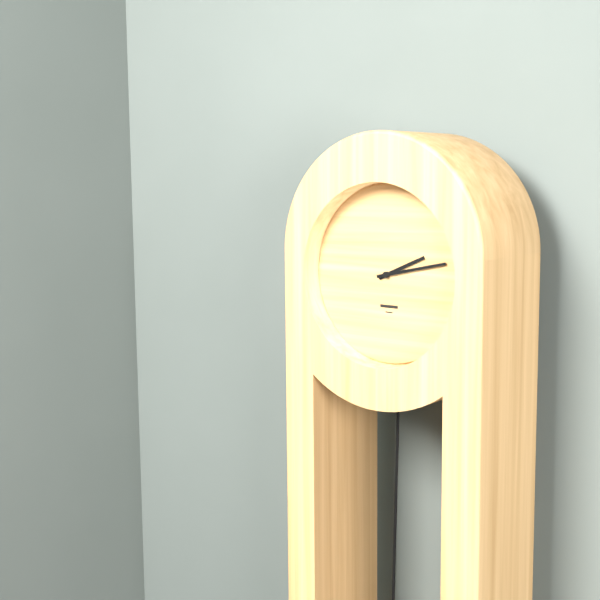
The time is **2:13**
